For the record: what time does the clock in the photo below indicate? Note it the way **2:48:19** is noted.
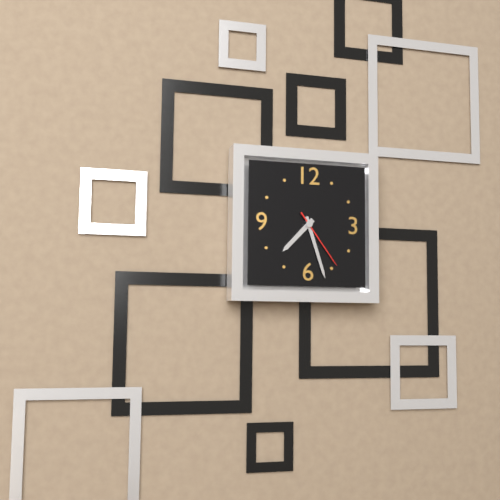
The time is **7:27:24**
